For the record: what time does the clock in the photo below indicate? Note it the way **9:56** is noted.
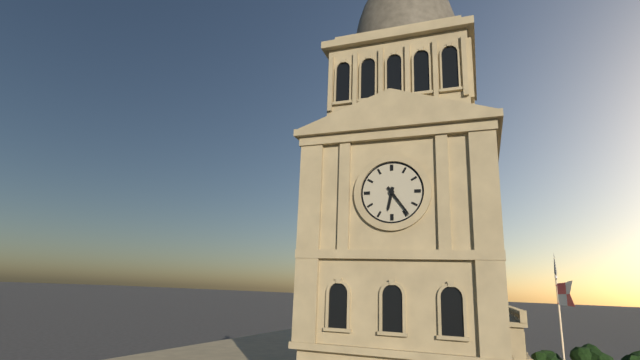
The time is **6:24**
